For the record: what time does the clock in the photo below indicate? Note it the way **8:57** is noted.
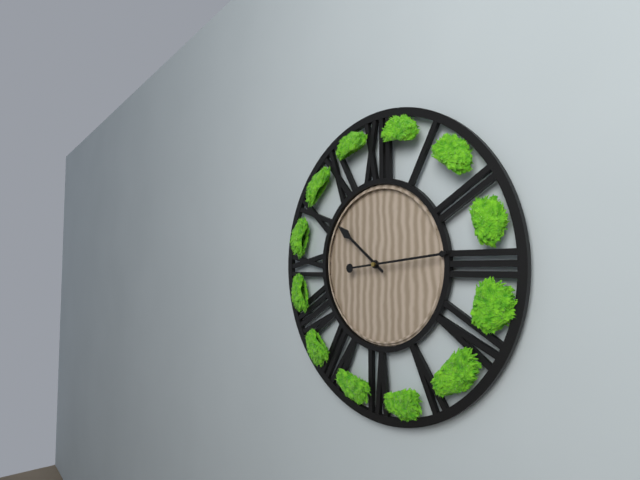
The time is **10:14**
